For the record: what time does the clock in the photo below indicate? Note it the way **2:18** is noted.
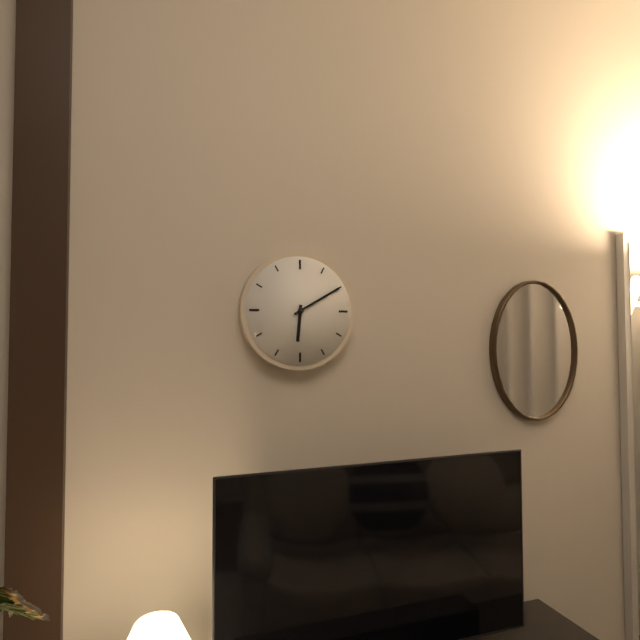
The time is **6:10**
